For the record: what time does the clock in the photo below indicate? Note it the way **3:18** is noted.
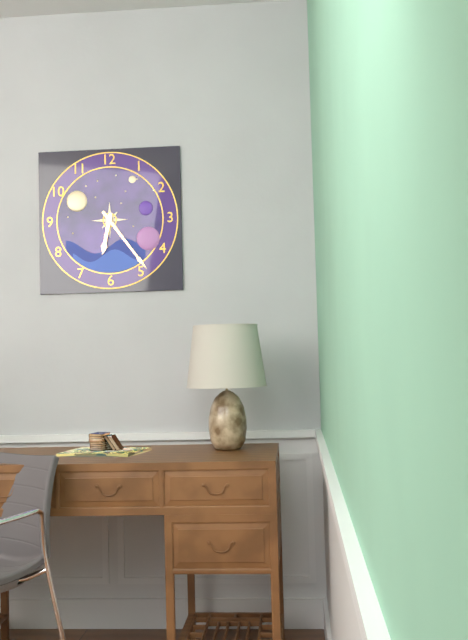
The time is **6:24**
